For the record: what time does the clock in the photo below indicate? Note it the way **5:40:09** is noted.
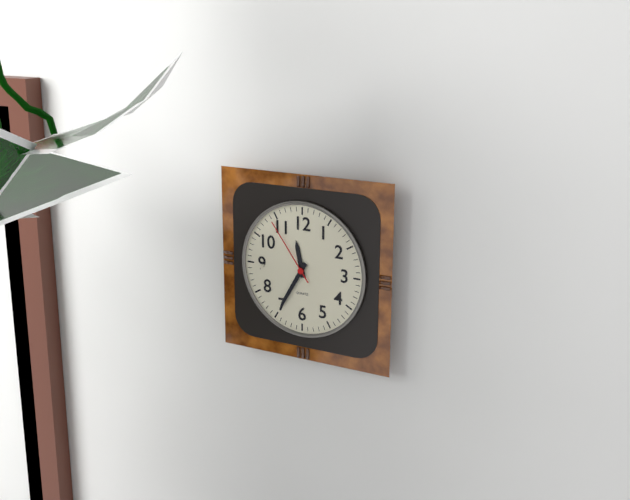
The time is **11:35:54**
